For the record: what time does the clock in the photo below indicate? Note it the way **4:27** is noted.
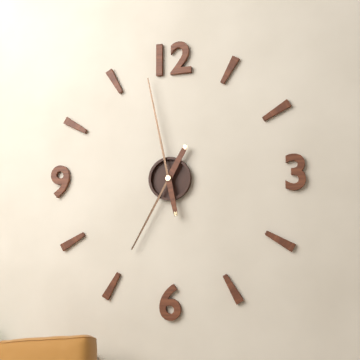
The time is **6:58**
